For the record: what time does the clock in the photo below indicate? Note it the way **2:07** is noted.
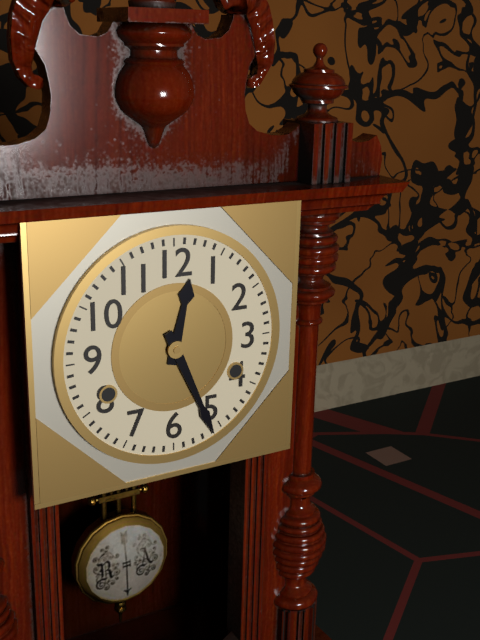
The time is **12:26**
